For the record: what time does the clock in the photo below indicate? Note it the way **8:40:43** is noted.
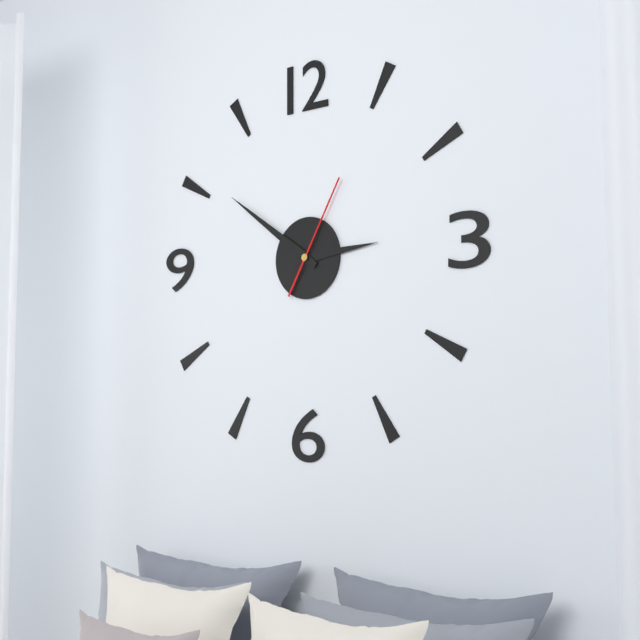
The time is **2:51:05**
